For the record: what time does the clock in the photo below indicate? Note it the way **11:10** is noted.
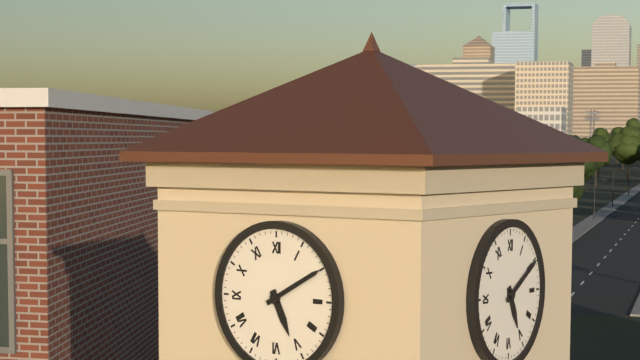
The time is **5:10**
